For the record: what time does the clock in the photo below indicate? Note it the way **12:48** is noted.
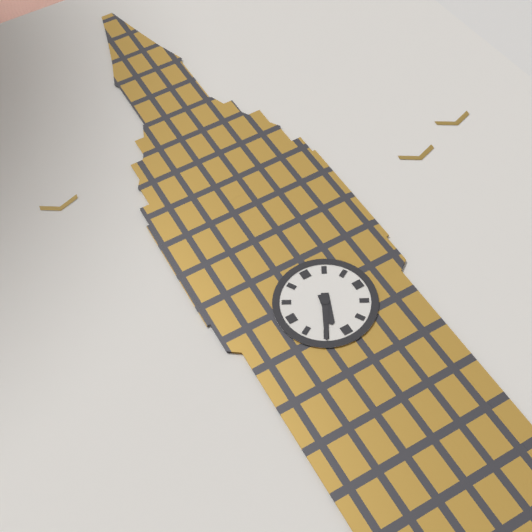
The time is **6:35**
